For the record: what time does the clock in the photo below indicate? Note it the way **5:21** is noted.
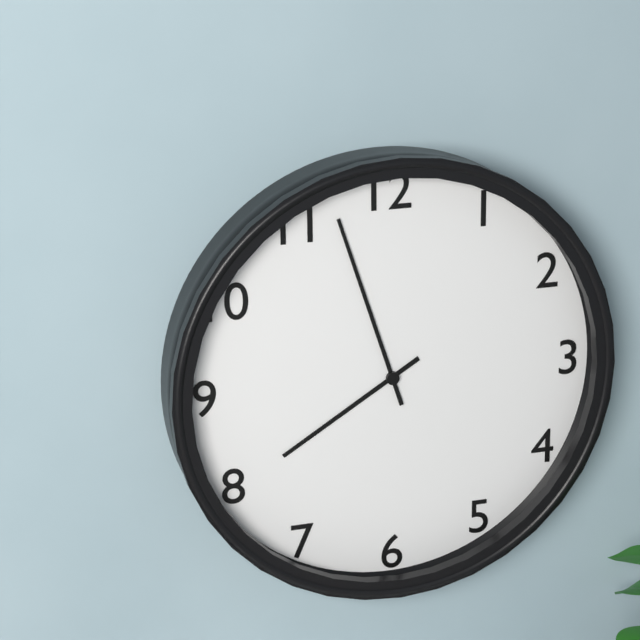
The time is **7:57**
